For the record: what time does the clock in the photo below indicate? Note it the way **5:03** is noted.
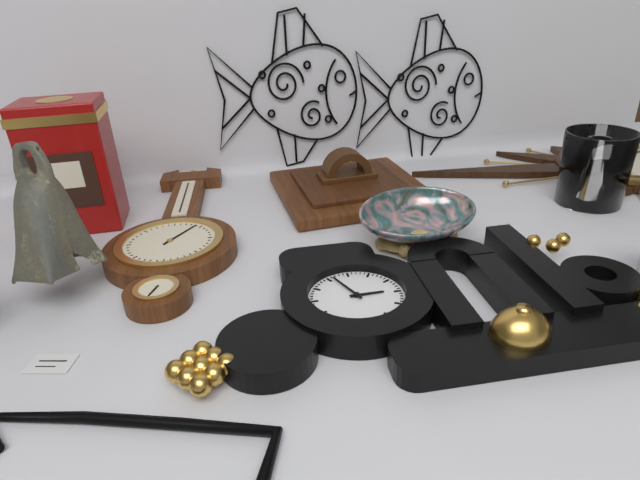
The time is **2:56**
